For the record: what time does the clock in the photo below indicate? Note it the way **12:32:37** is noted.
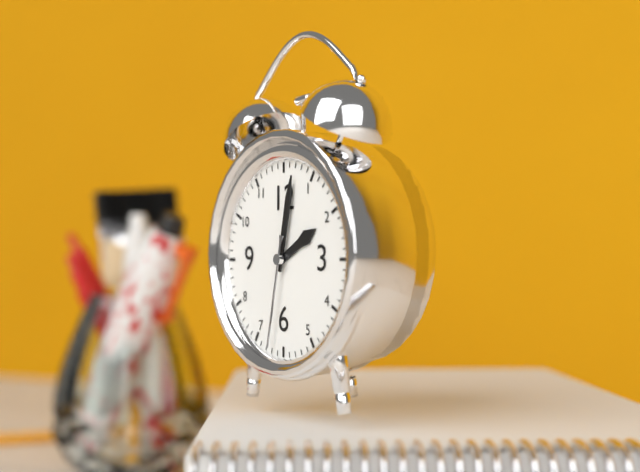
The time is **2:02:32**
